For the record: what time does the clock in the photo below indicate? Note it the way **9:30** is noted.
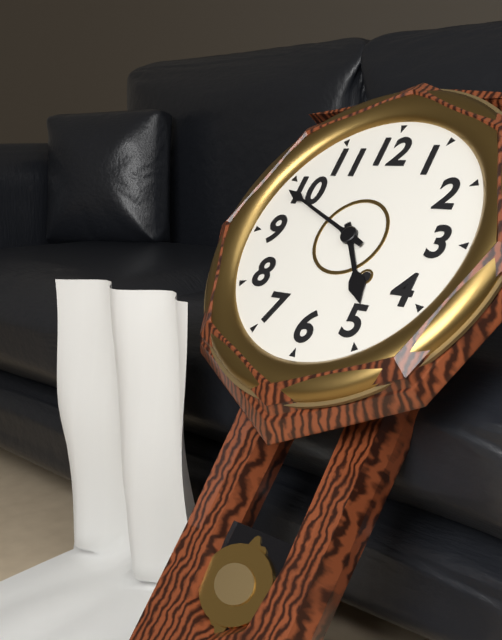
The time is **4:49**
